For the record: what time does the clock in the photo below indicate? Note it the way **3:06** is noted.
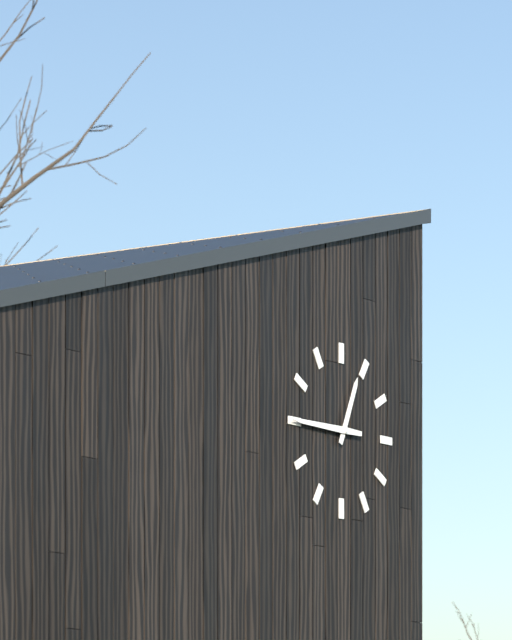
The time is **12:45**
